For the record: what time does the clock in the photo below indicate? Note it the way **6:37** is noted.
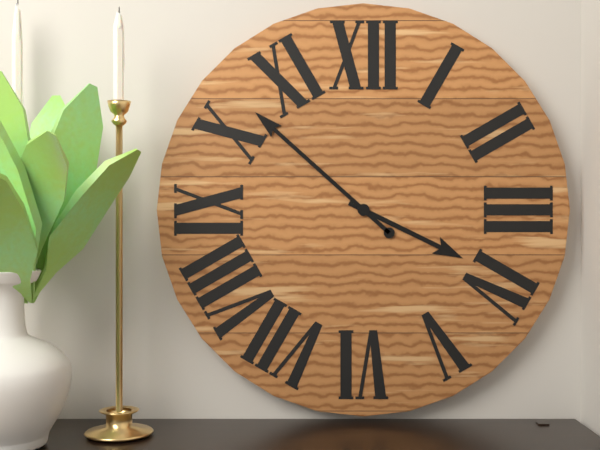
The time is **3:52**
